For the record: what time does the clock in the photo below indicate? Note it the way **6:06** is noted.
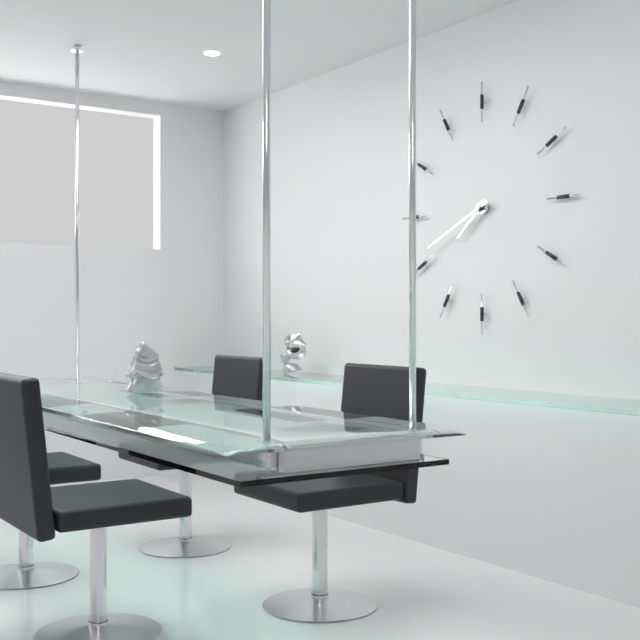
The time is **7:41**
